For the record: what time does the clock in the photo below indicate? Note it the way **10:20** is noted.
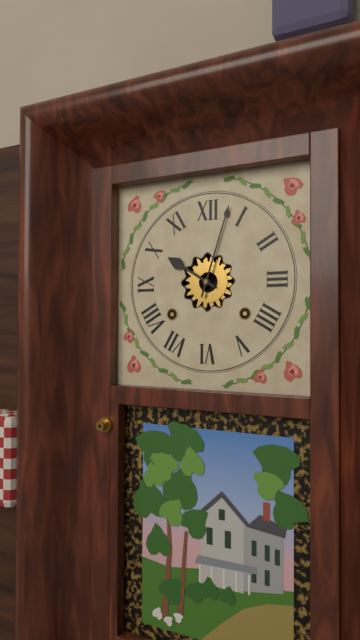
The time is **10:03**
